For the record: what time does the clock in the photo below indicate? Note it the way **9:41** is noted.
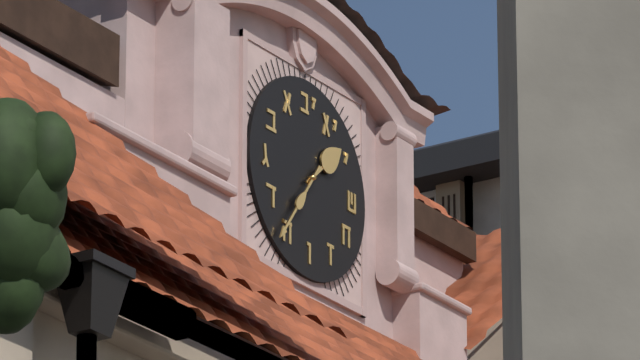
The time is **1:36**
